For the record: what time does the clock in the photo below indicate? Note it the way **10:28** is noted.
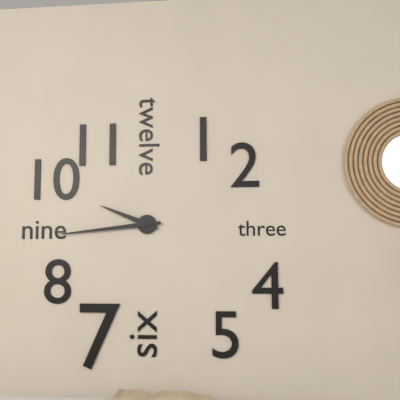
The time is **9:44**
